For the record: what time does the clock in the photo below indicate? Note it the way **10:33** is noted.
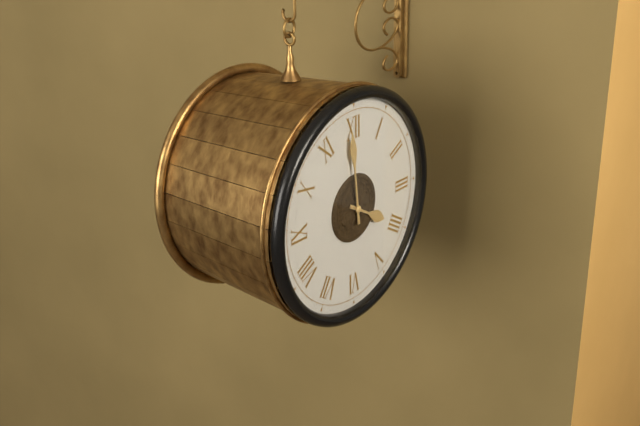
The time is **3:59**
